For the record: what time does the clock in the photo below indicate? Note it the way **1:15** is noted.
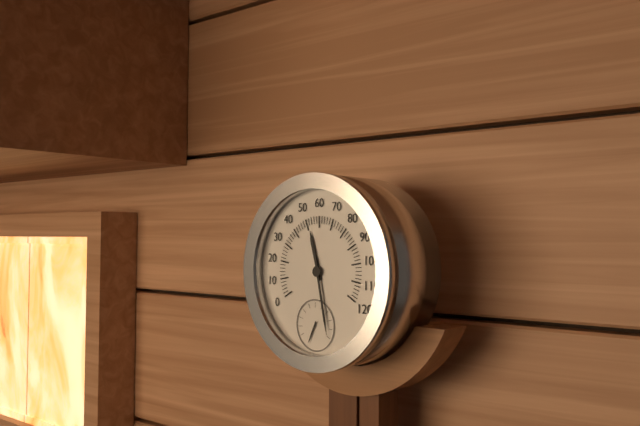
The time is **11:28**
